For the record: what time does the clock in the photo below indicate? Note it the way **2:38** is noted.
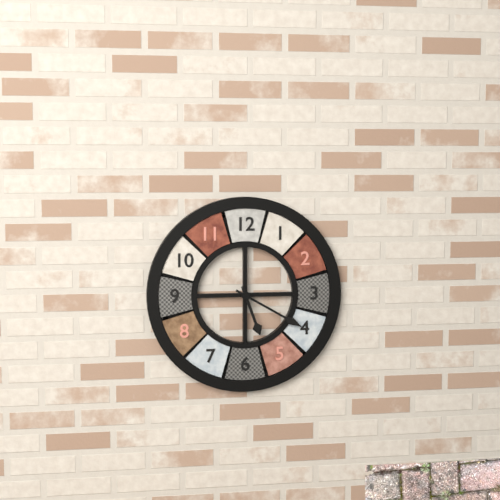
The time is **5:20**
